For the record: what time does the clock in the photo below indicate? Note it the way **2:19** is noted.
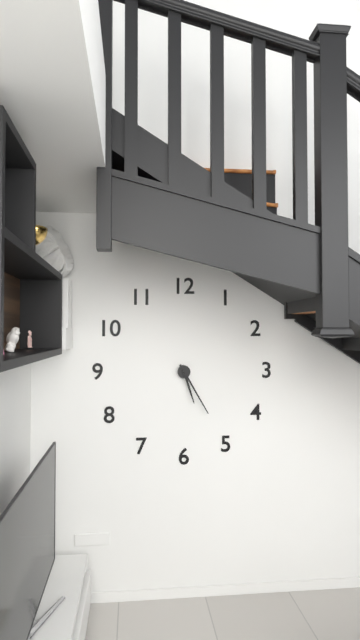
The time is **5:25**
